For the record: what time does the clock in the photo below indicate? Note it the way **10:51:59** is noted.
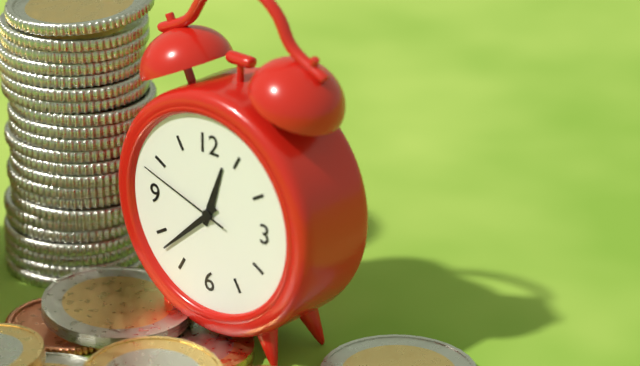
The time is **12:38:48**
